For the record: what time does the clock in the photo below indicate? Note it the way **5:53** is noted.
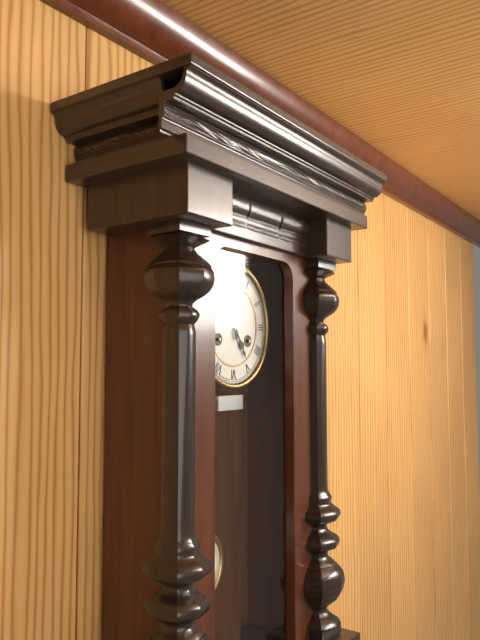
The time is **4:58**
